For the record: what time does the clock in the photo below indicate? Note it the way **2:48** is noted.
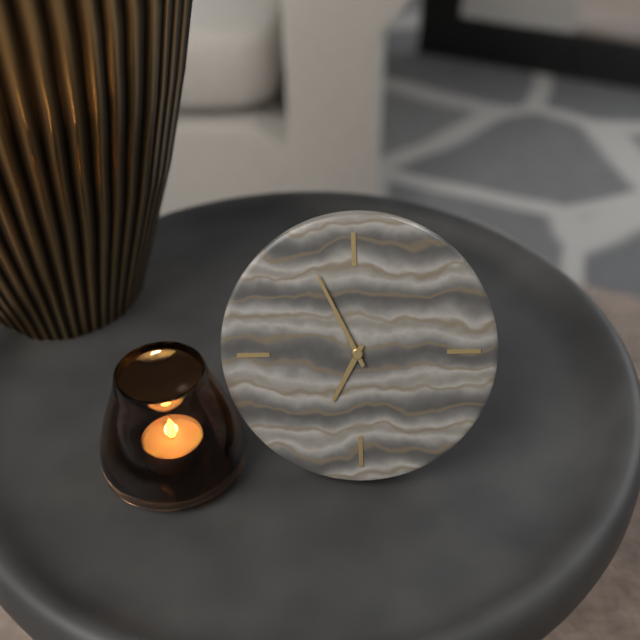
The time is **6:56**
